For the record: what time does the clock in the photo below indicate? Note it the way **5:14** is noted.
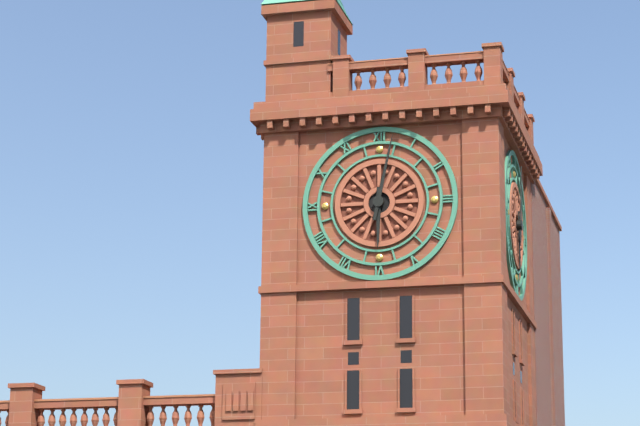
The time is **6:02**
